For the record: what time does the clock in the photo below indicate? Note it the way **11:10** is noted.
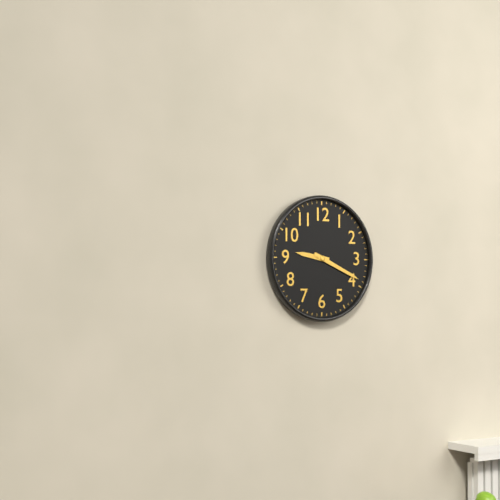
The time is **9:19**
